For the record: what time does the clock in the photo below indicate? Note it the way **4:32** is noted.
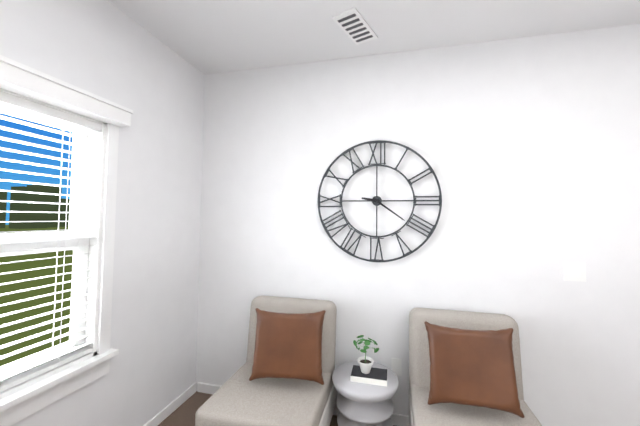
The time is **9:21**
